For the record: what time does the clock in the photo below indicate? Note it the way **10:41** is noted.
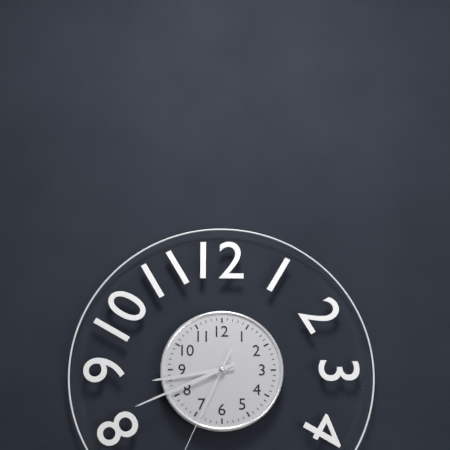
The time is **8:41**
